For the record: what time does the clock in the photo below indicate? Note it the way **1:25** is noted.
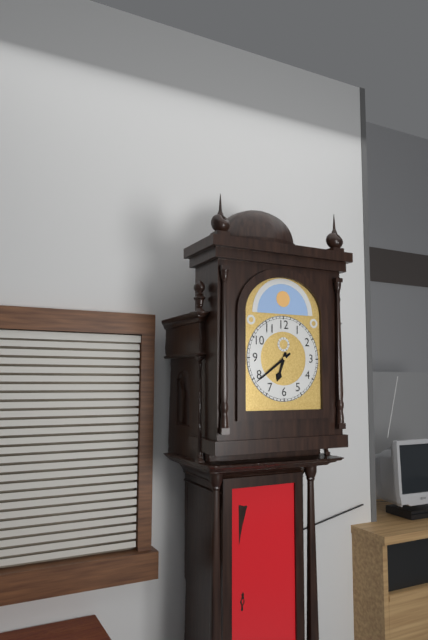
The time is **6:39**
